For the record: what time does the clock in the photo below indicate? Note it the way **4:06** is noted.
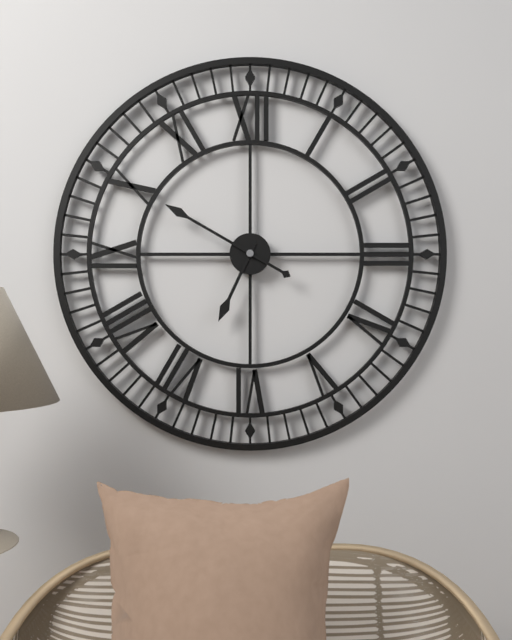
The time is **6:50**
